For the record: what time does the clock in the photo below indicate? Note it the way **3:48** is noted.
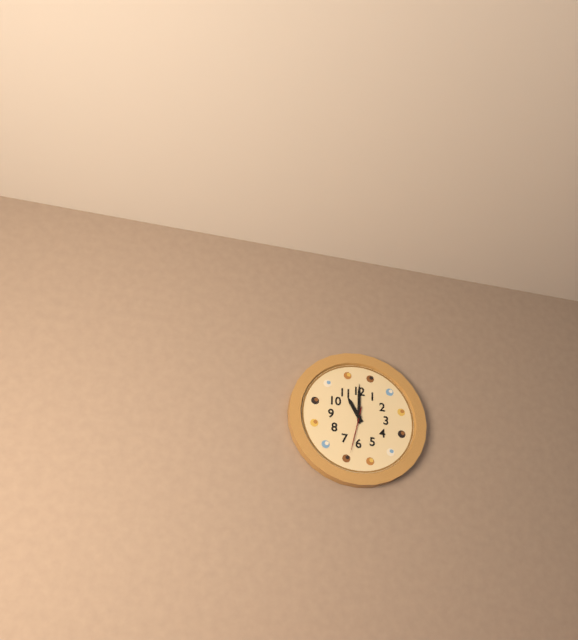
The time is **11:00**
